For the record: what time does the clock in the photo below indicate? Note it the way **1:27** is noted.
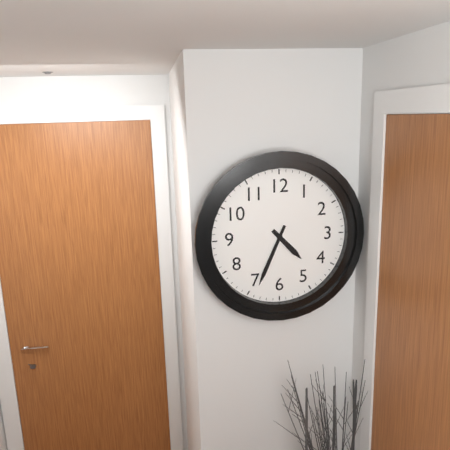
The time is **4:34**
